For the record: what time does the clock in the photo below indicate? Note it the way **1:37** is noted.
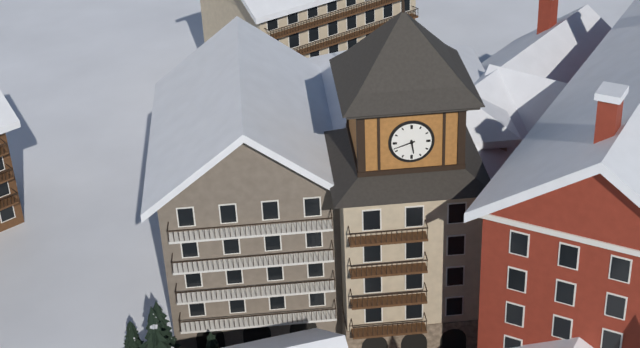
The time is **5:42**
